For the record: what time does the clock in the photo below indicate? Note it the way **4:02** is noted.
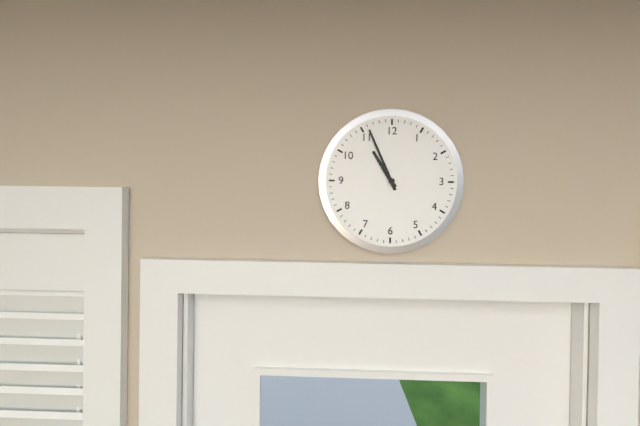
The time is **10:56**
